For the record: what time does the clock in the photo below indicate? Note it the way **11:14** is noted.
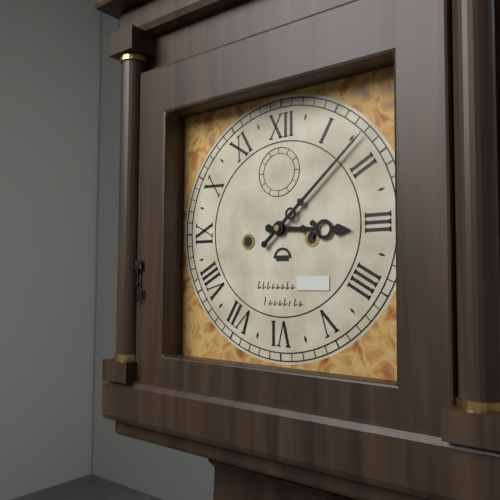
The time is **3:08**
